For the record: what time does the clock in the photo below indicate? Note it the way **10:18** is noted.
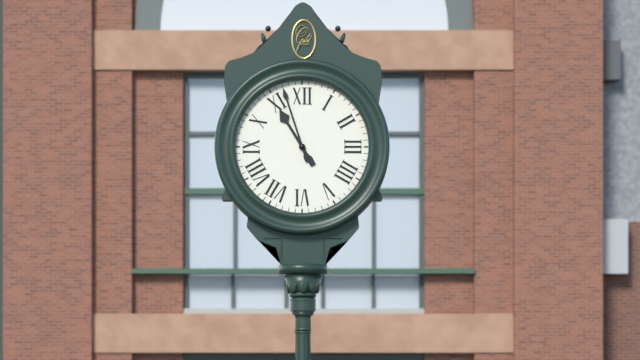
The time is **10:57**
